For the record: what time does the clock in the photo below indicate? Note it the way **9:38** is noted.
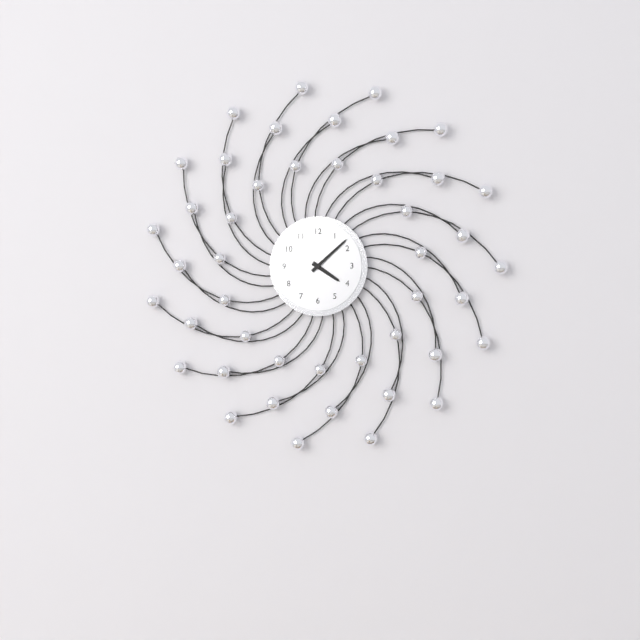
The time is **4:08**
